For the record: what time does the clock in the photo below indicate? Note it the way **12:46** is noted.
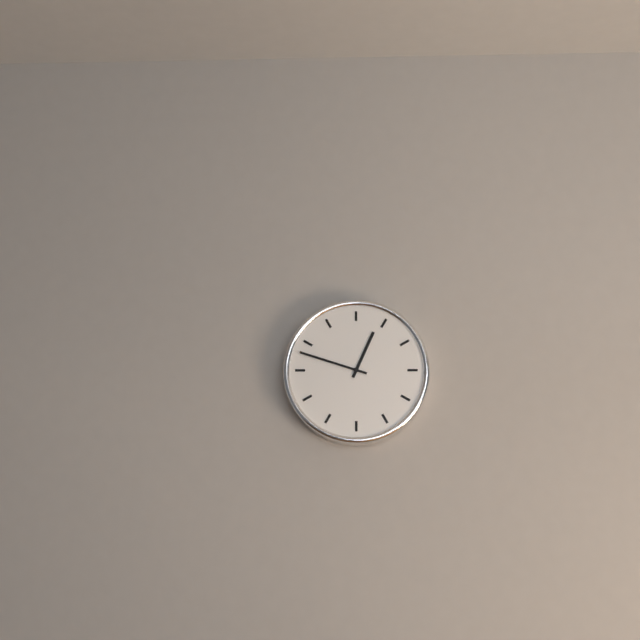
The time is **12:48**
